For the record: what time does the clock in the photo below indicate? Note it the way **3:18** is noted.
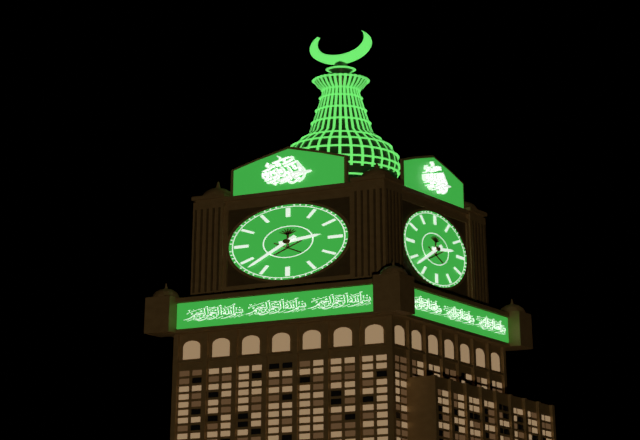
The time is **2:38**
